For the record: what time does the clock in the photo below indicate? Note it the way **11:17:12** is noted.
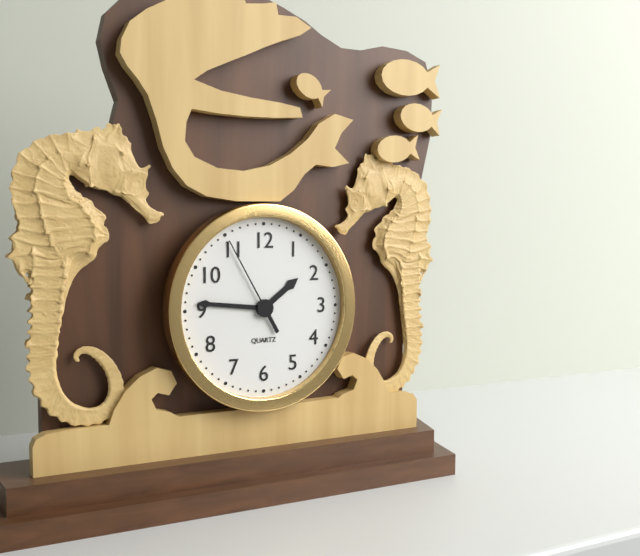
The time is **1:46:55**
